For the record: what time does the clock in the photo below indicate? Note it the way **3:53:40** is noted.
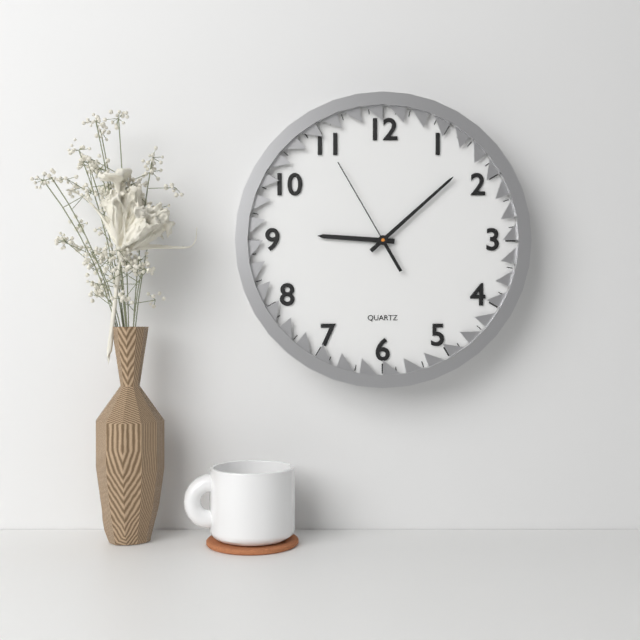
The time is **9:08:55**
